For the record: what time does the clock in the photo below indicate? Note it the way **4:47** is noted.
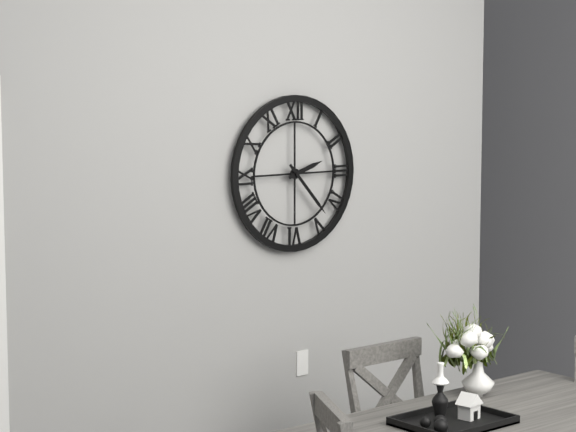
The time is **2:23**
